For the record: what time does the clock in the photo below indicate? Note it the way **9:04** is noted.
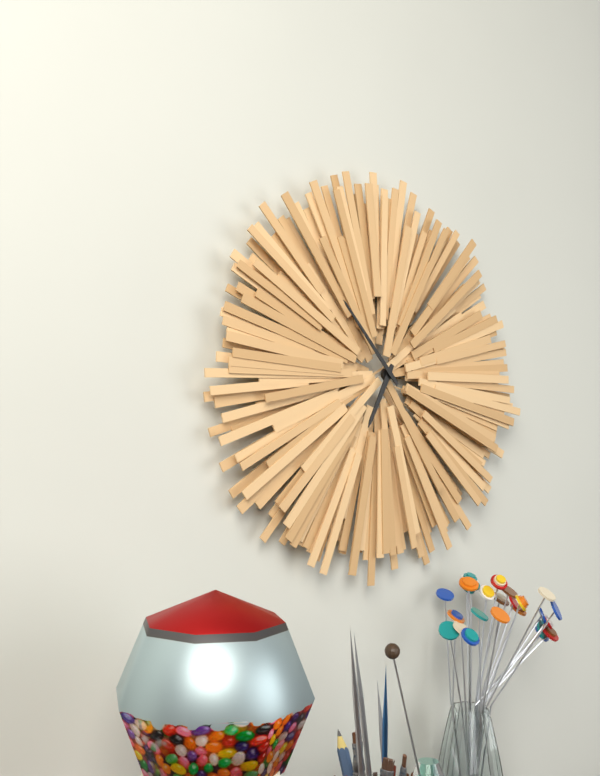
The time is **6:53**
